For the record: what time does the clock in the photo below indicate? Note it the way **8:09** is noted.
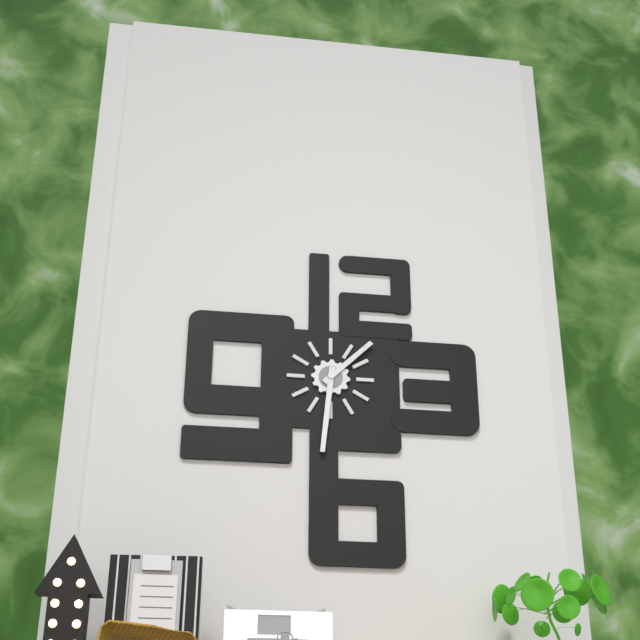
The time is **1:31**
